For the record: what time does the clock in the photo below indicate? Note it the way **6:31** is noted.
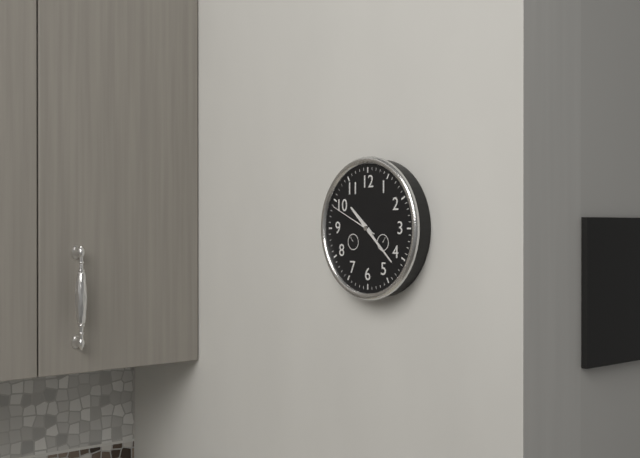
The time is **10:22**
